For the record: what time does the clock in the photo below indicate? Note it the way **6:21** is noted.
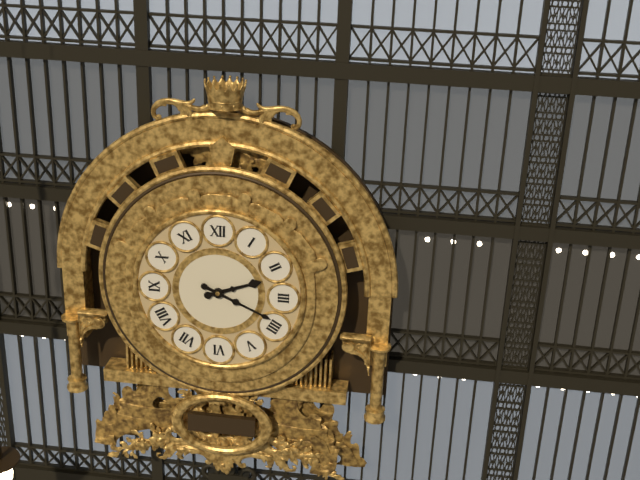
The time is **2:19**
